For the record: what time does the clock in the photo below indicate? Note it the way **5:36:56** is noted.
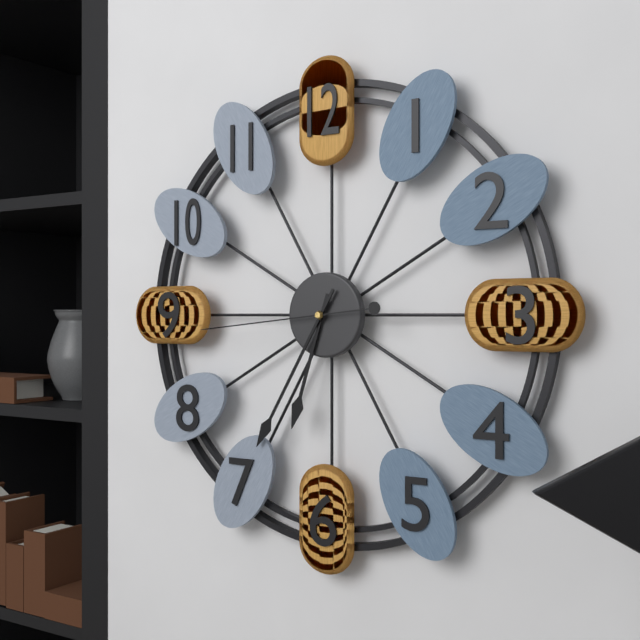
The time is **6:35:44**
